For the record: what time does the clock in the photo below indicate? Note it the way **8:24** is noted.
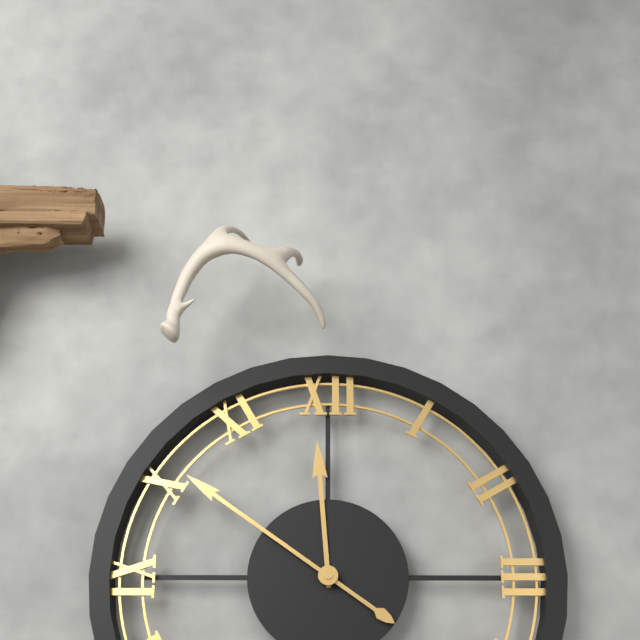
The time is **11:51**
